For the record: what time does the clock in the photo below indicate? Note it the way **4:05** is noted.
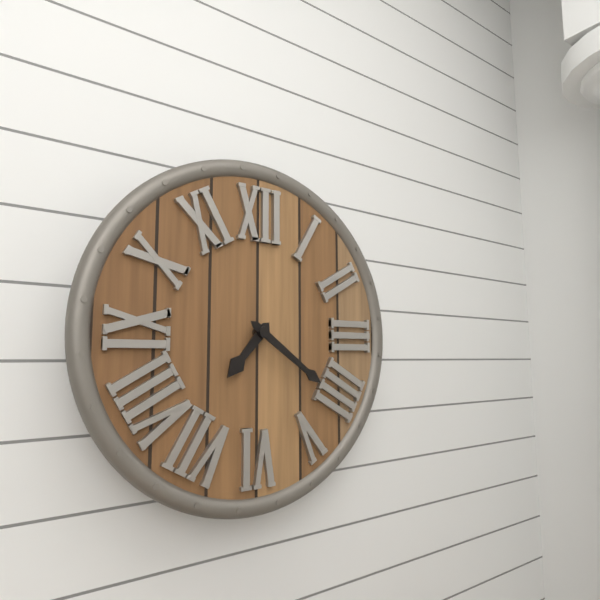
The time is **7:21**
